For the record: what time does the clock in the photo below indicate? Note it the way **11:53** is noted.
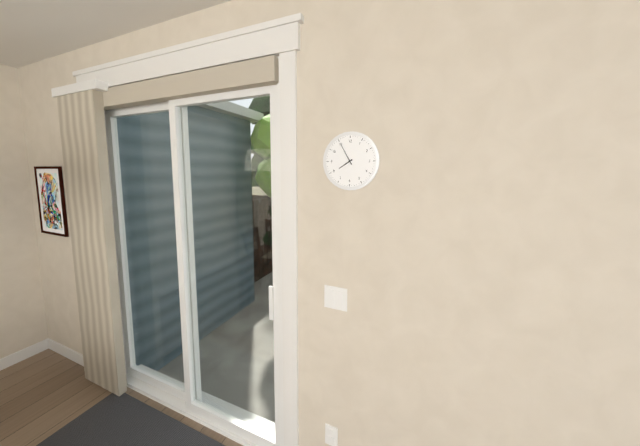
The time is **7:55**
